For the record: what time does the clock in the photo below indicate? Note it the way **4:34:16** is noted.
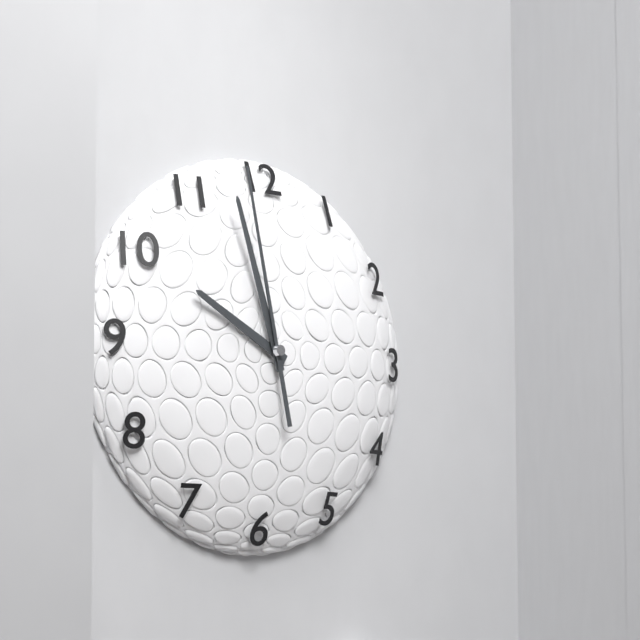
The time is **9:57:58**
